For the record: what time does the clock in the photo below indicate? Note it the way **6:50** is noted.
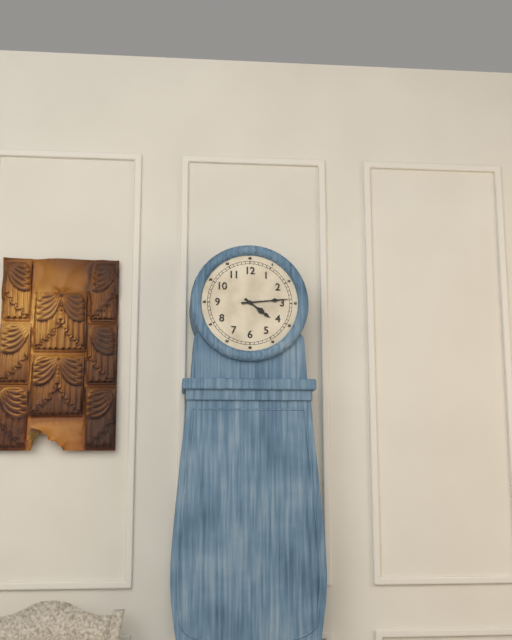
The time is **4:14**
